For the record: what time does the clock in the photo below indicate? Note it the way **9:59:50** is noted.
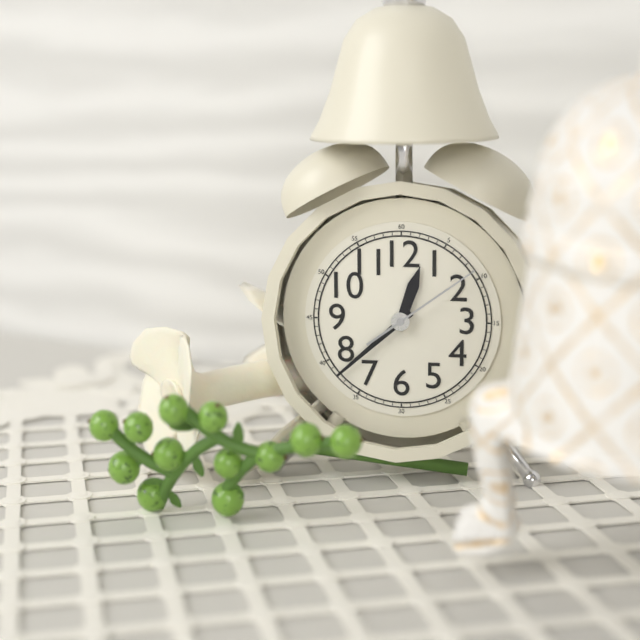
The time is **12:38:09**
